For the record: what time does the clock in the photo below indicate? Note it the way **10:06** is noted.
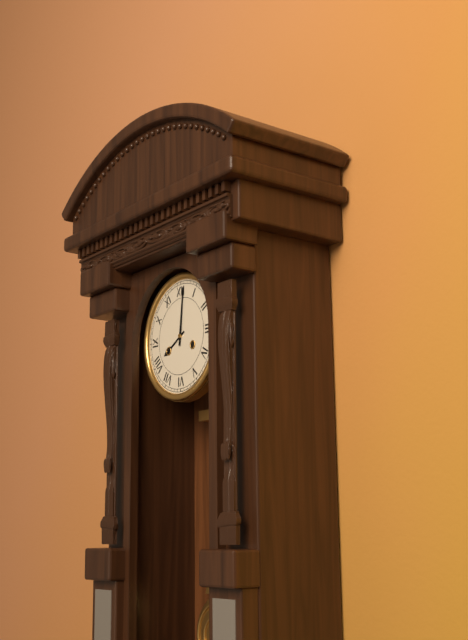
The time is **8:01**
